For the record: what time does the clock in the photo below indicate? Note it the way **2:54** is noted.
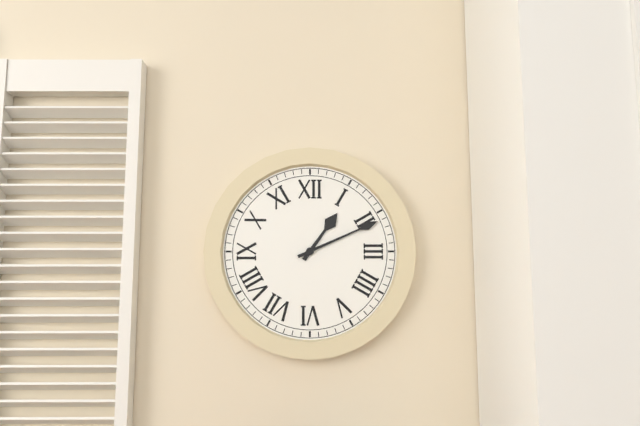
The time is **1:11**
